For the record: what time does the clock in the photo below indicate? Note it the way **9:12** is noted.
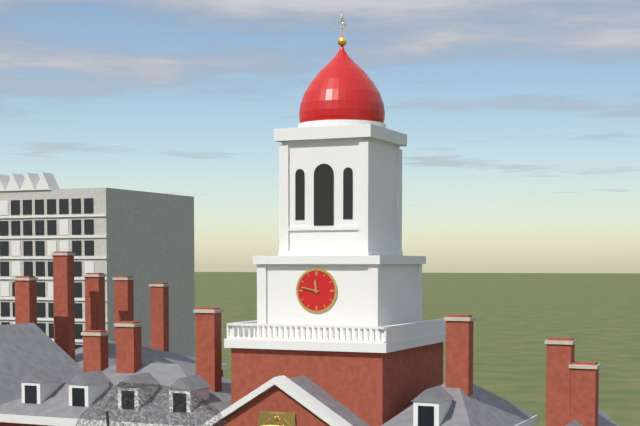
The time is **11:47**
